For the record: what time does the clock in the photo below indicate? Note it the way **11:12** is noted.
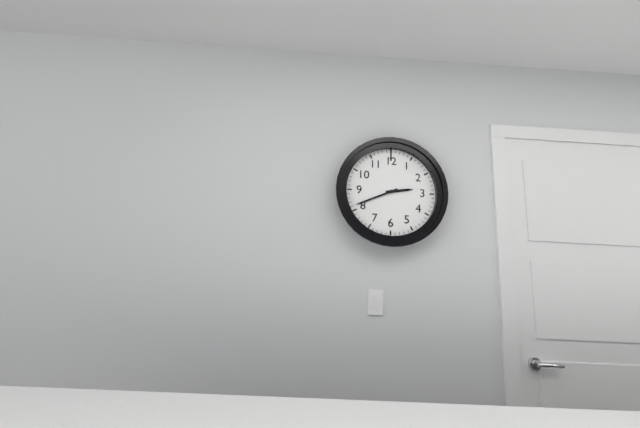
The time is **2:41**
